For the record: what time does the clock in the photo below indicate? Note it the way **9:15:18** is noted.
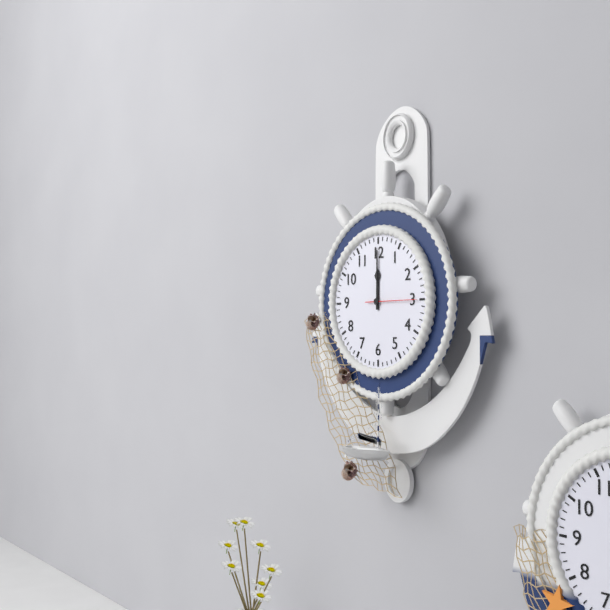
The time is **12:00:15**
